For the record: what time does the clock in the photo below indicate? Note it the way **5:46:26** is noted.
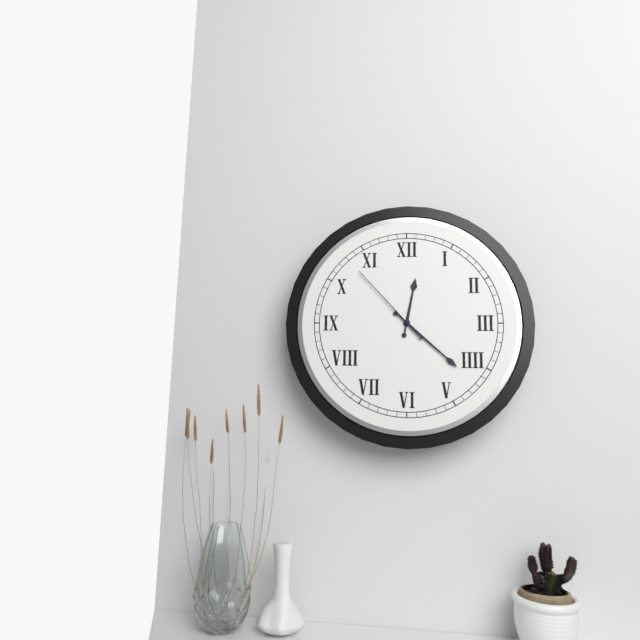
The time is **12:22:53**
